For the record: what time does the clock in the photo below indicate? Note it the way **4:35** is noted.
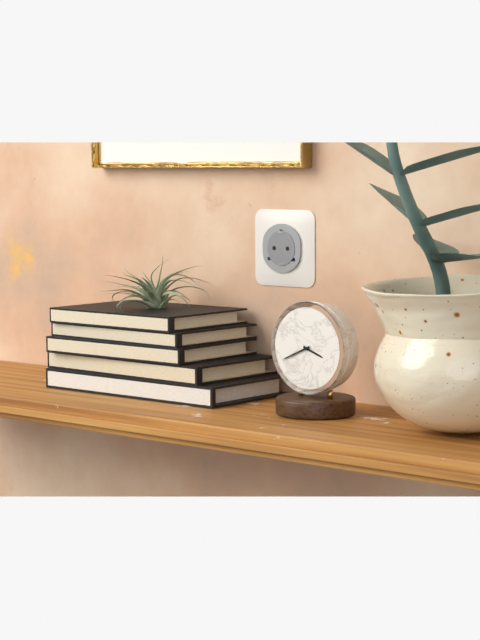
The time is **3:41**
